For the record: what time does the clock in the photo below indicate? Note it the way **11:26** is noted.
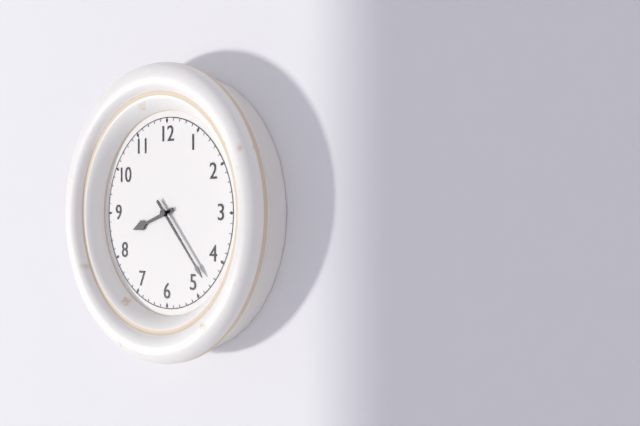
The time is **8:23**
